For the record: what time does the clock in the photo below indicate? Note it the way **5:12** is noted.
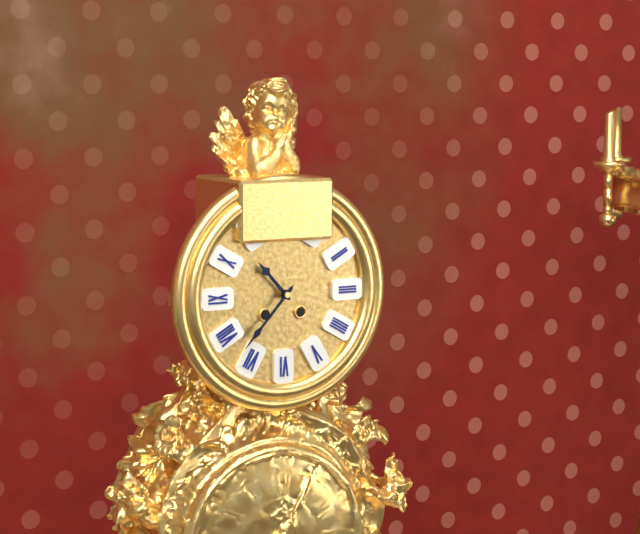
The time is **10:37**
